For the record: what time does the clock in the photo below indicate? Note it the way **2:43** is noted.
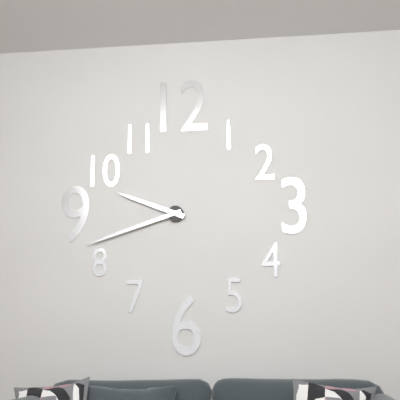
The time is **9:42**
